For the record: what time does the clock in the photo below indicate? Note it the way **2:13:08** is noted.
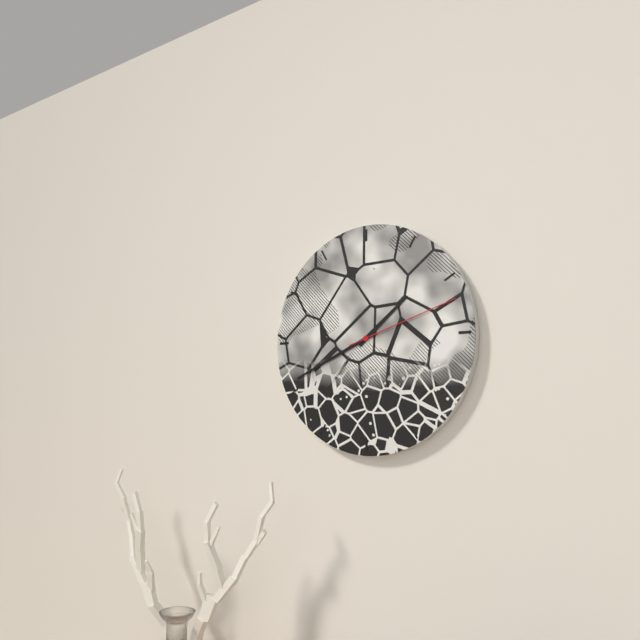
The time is **1:41:12**
